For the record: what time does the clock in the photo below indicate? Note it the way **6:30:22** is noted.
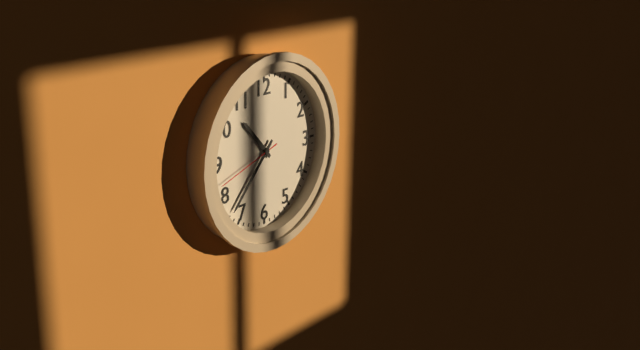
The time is **10:37:42**
